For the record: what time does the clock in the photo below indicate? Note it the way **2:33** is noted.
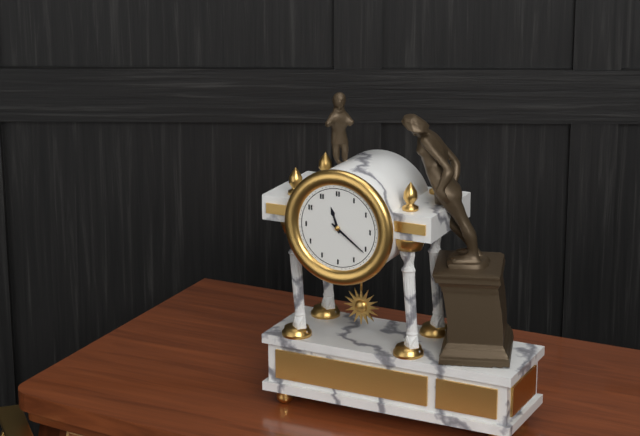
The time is **11:21**
